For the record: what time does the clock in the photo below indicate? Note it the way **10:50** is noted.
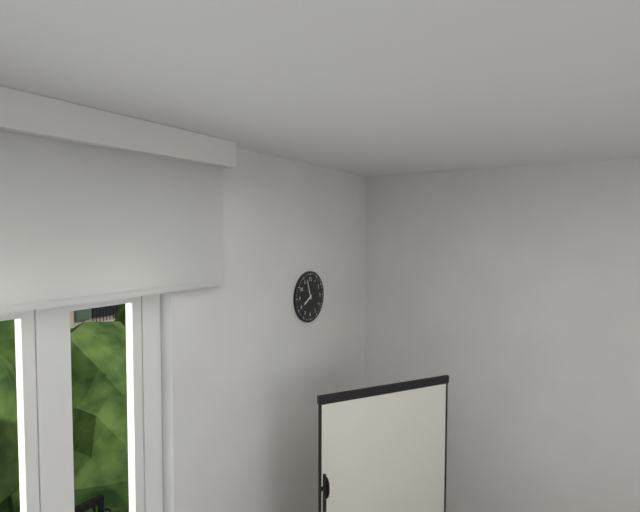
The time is **7:57**
